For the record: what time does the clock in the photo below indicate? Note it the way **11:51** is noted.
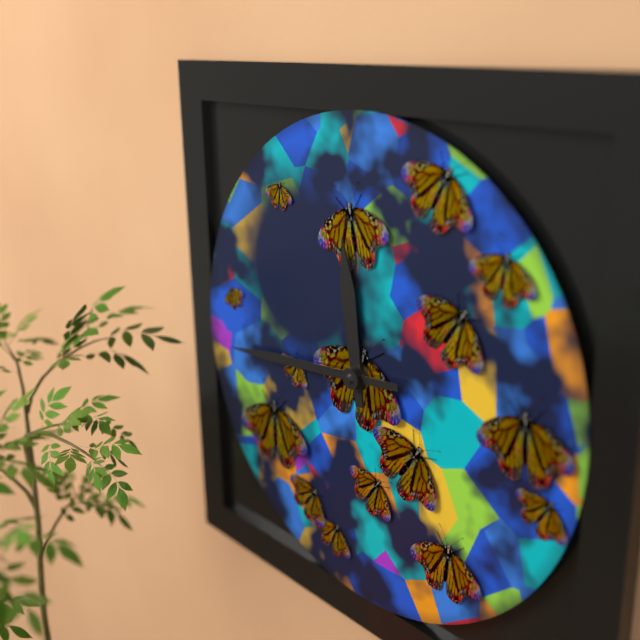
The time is **11:44**
